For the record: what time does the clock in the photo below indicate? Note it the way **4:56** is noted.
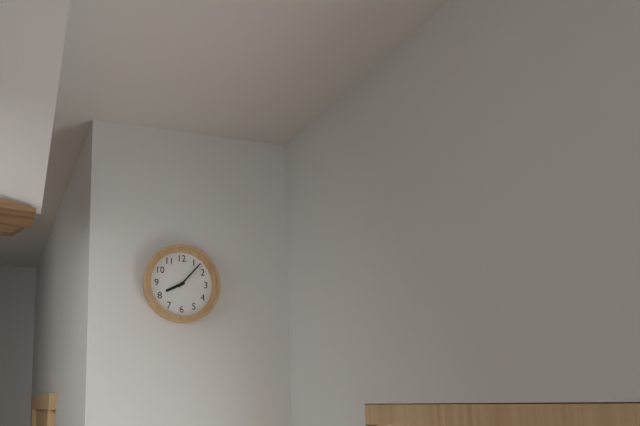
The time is **8:07**
